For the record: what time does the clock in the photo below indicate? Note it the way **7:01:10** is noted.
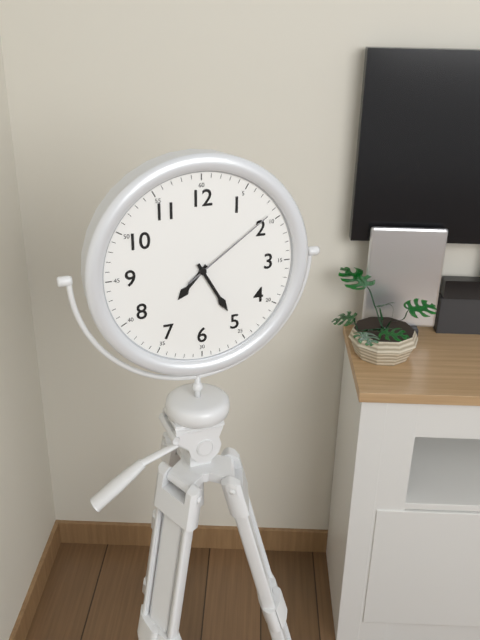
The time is **7:25:09**
